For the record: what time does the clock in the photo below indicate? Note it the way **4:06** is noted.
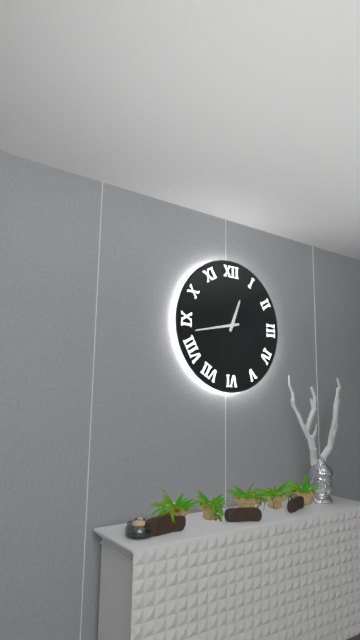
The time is **12:43**
